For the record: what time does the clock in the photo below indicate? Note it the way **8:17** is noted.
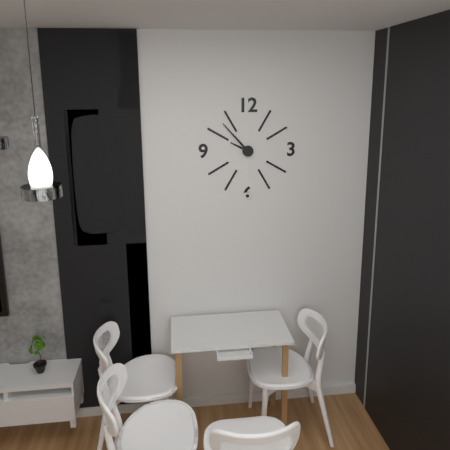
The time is **9:53**
